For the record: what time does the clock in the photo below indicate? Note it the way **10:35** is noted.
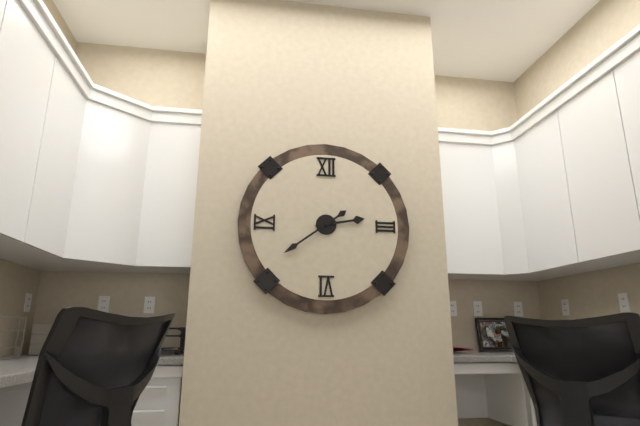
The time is **2:39**
